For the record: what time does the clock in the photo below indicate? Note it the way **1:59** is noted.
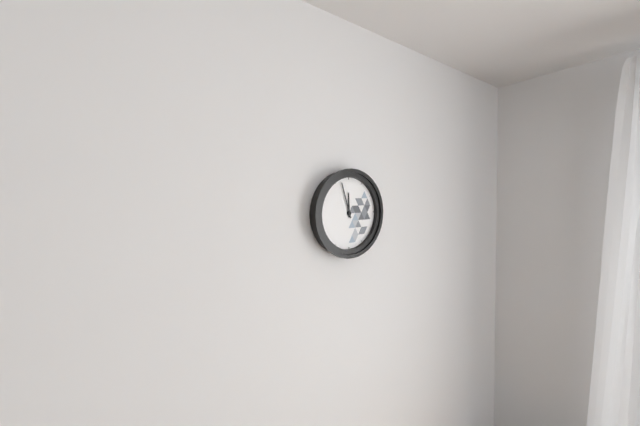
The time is **11:57**
